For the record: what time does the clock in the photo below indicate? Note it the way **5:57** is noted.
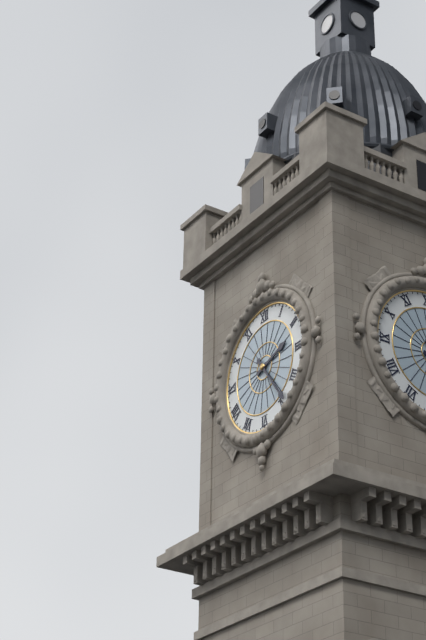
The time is **2:24**
